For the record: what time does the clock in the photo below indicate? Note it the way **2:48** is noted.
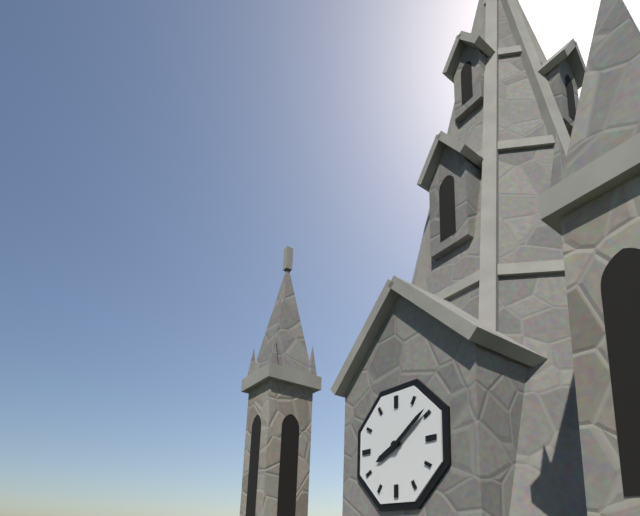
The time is **8:09**
